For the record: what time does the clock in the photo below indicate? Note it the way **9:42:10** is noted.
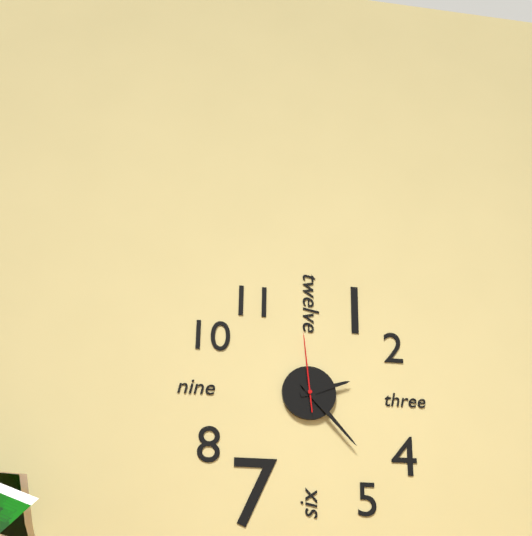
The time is **2:23:59**
